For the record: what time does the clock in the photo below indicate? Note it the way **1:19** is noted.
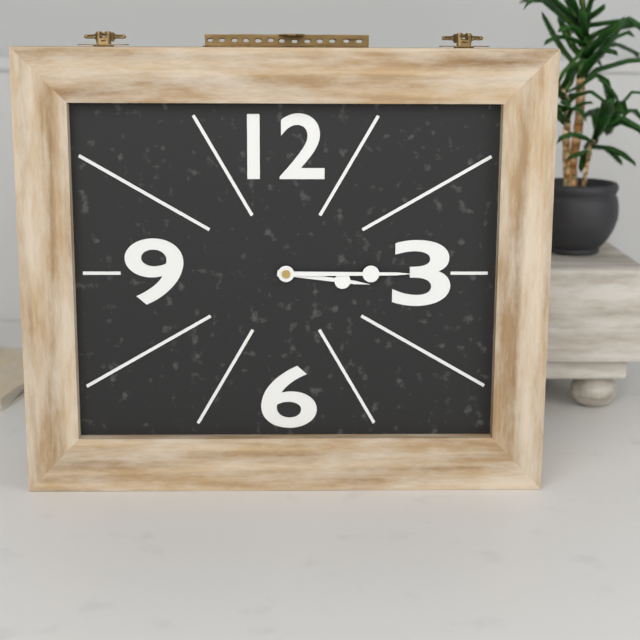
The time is **3:15**
